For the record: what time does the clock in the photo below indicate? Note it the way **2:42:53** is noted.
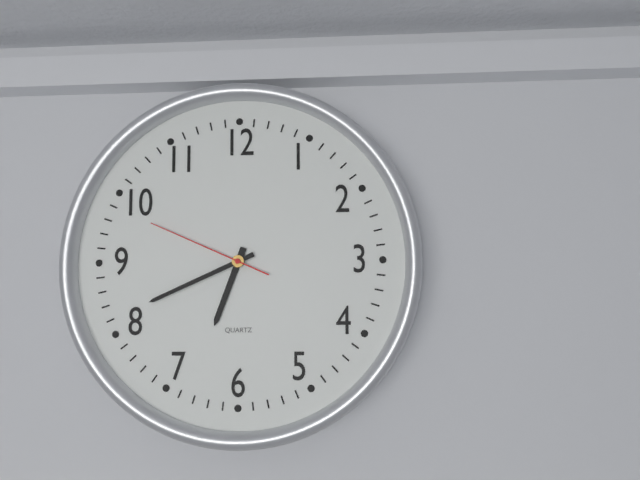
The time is **6:41:49**
